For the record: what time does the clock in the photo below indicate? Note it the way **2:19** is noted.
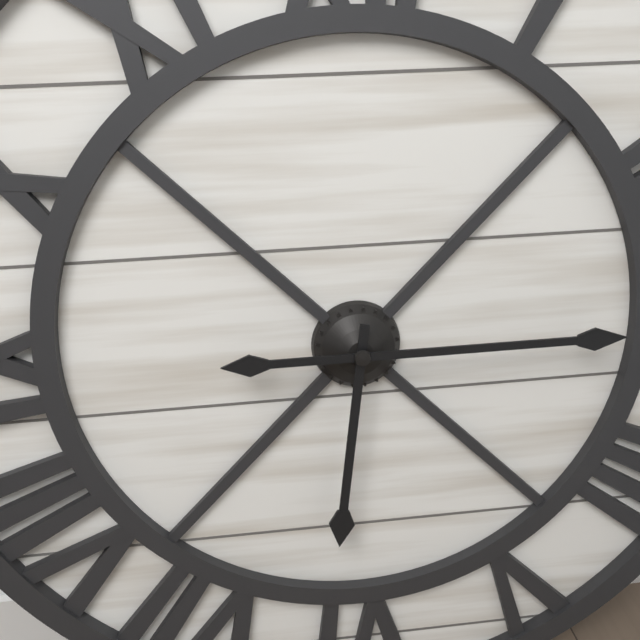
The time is **6:15**
